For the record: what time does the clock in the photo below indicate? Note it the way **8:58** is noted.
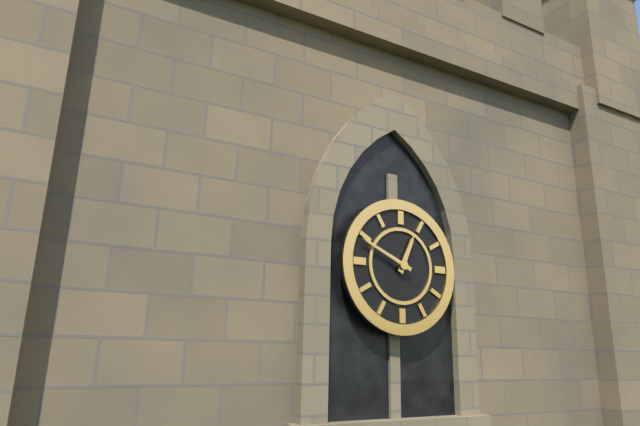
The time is **12:49**
